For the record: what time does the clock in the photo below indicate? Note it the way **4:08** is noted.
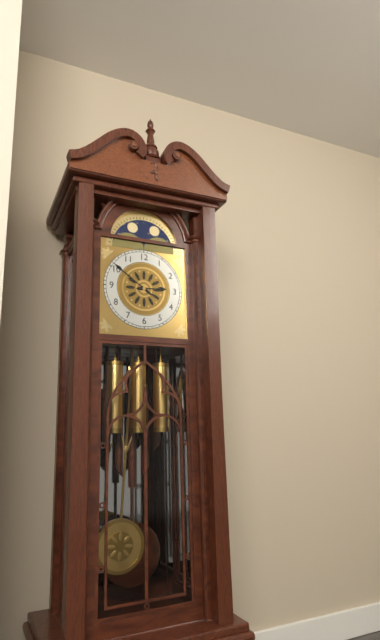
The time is **2:51**
